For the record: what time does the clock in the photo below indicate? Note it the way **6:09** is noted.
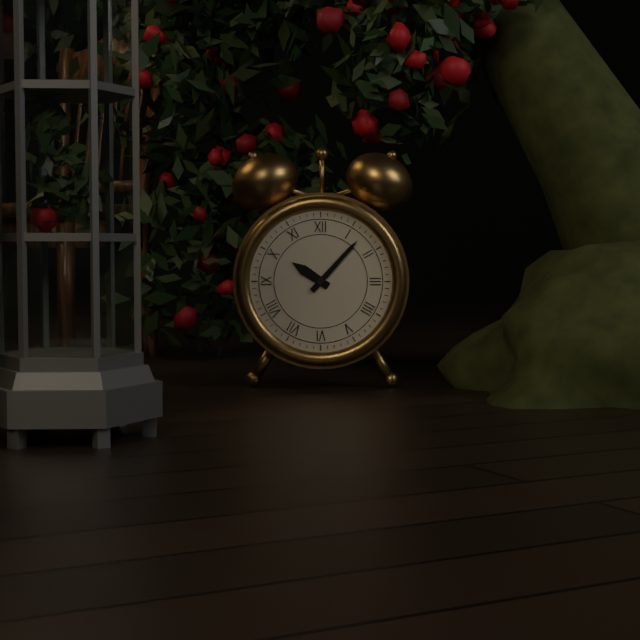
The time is **10:07**
